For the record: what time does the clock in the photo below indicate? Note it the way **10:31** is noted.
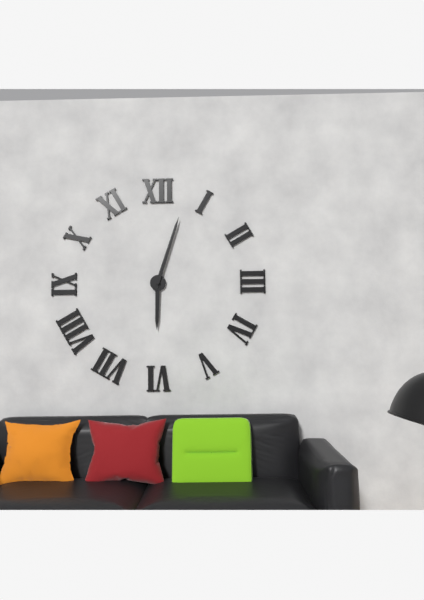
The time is **6:03**
